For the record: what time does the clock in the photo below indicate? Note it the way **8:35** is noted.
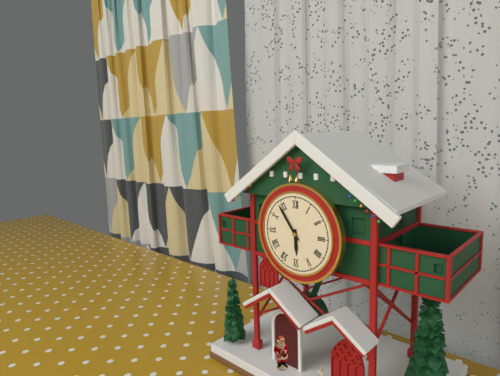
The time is **5:54**
